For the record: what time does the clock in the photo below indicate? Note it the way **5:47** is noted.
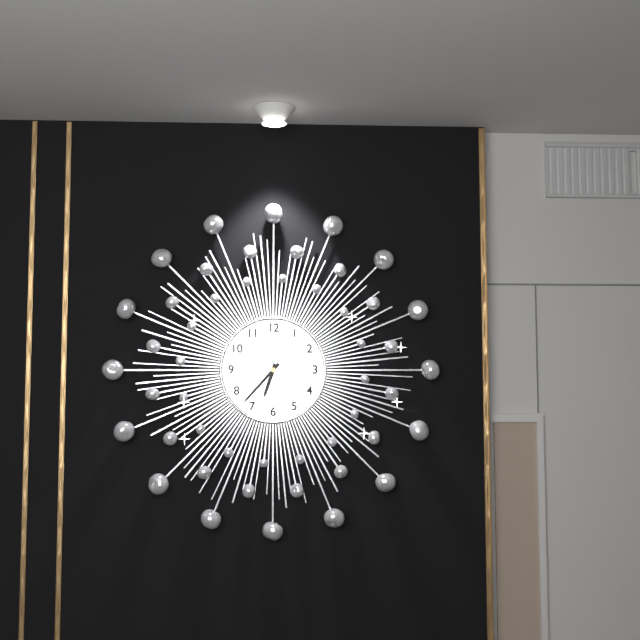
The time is **6:37**
